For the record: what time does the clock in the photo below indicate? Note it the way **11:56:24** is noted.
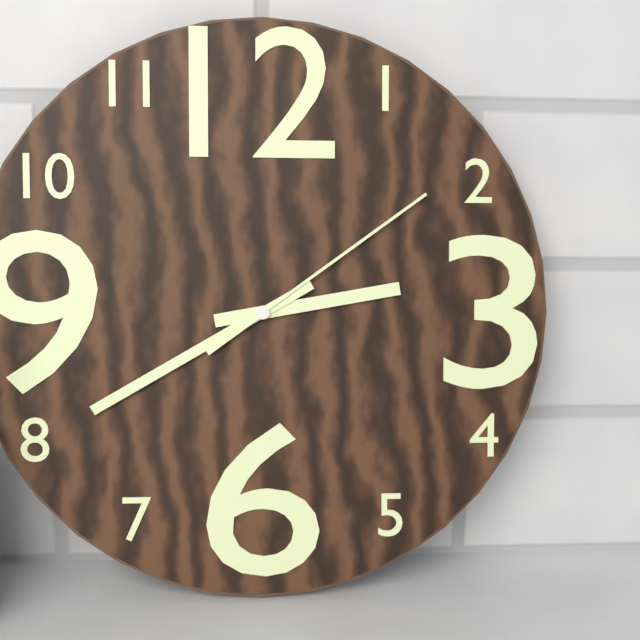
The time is **2:40:09**
